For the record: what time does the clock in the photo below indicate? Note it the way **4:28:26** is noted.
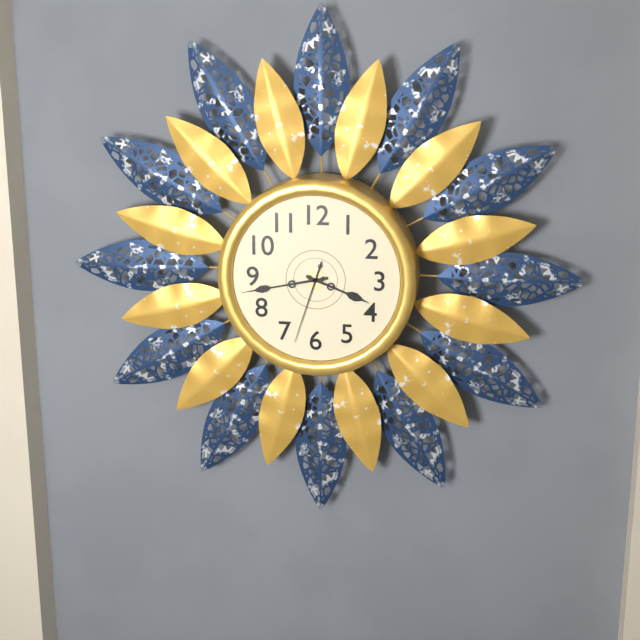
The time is **3:43:33**
